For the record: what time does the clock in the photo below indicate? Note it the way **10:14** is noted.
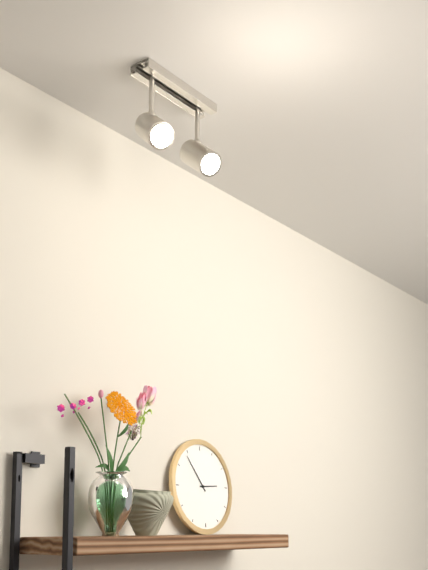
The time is **2:54**
